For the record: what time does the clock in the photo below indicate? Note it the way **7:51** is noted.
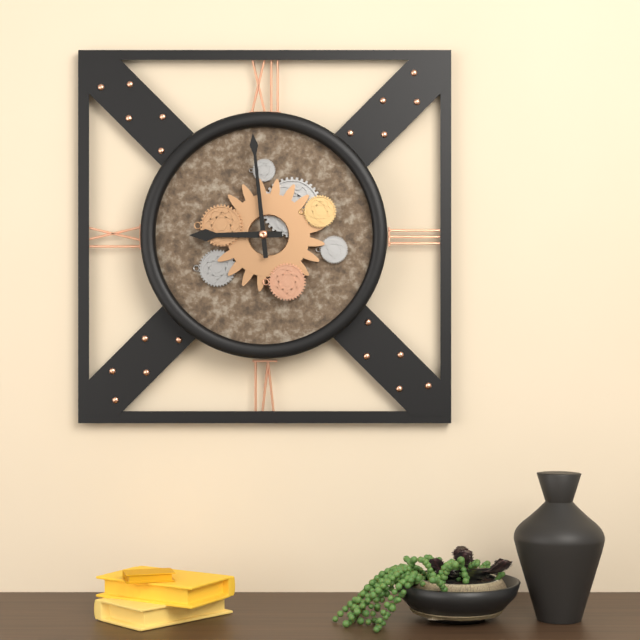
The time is **8:59**
